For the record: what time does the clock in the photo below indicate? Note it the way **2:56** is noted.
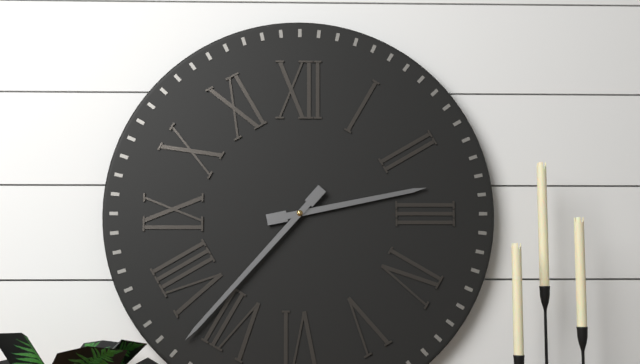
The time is **2:37**
